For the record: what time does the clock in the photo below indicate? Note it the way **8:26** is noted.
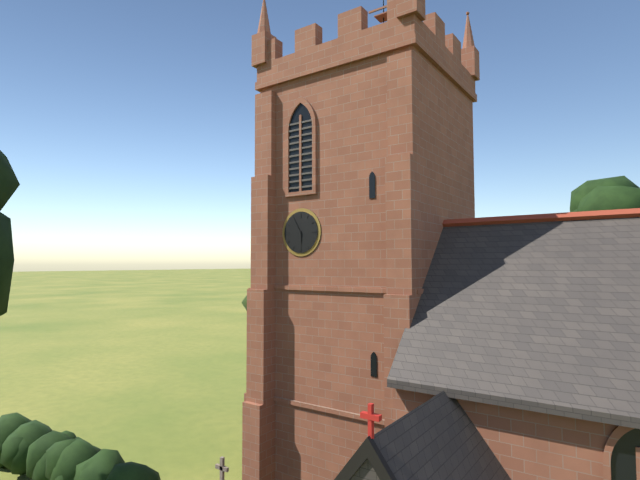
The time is **5:55**
